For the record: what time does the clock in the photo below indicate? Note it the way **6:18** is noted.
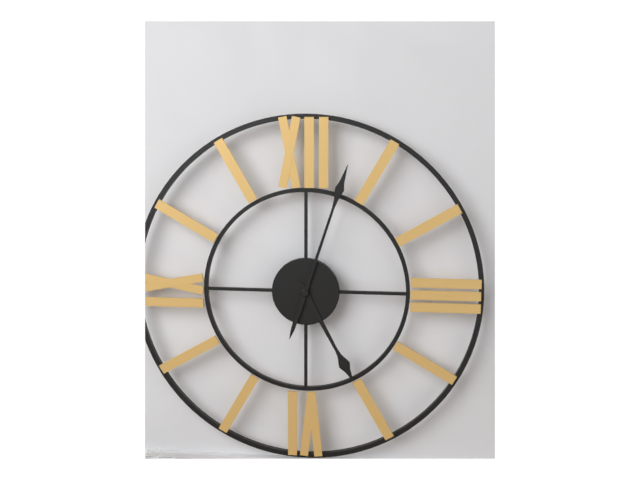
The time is **5:03**
